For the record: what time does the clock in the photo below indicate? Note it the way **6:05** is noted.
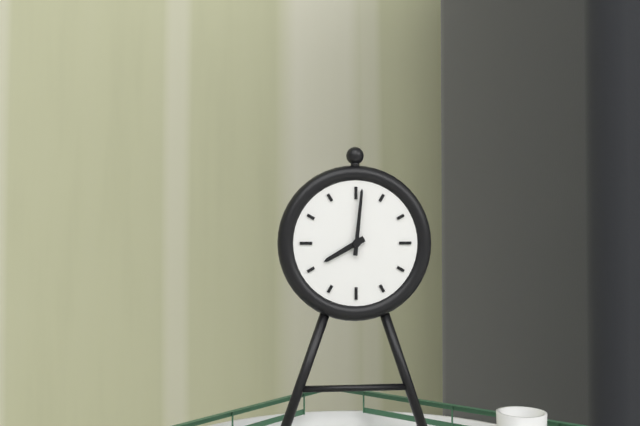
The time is **8:01**
